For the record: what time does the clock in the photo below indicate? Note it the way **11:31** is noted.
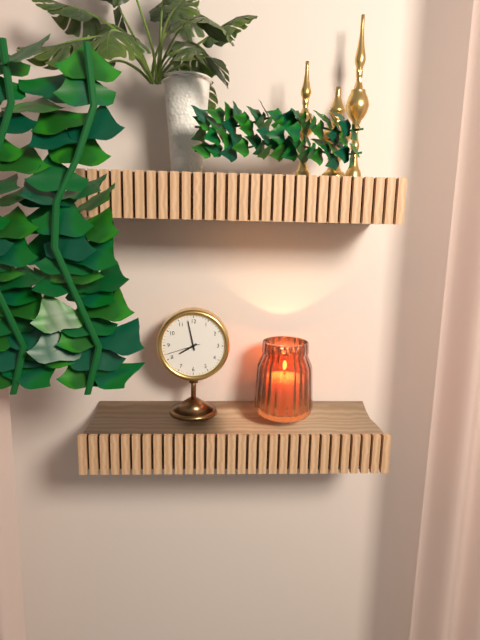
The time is **7:58**
